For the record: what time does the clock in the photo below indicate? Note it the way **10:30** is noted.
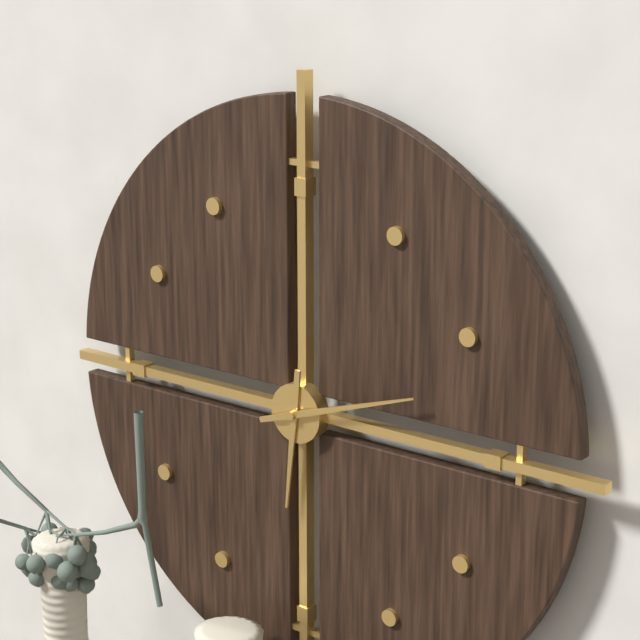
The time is **6:12**
